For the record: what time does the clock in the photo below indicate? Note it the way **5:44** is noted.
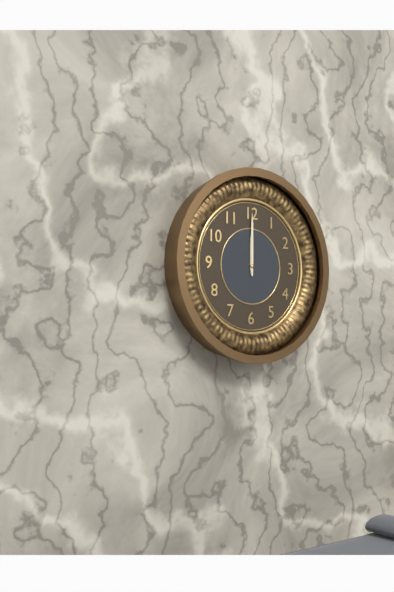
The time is **12:00**
